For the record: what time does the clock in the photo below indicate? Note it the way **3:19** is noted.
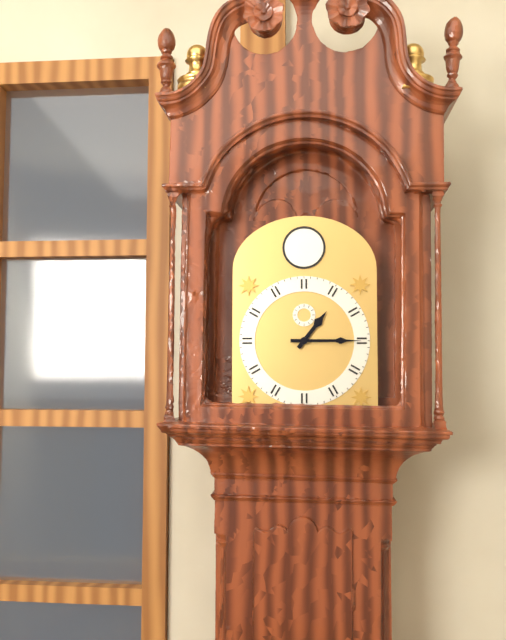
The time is **1:15**
